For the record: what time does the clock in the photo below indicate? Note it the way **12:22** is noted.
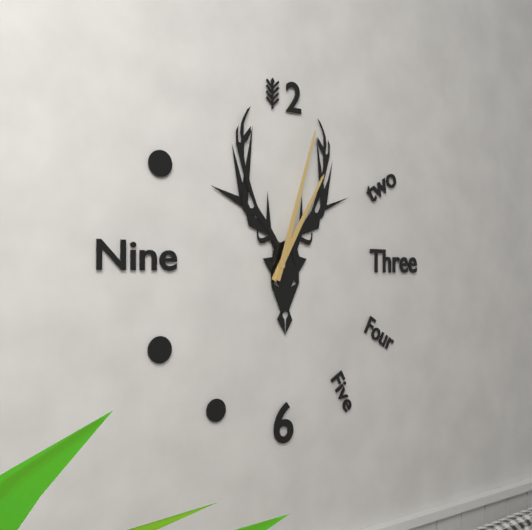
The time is **1:03**
